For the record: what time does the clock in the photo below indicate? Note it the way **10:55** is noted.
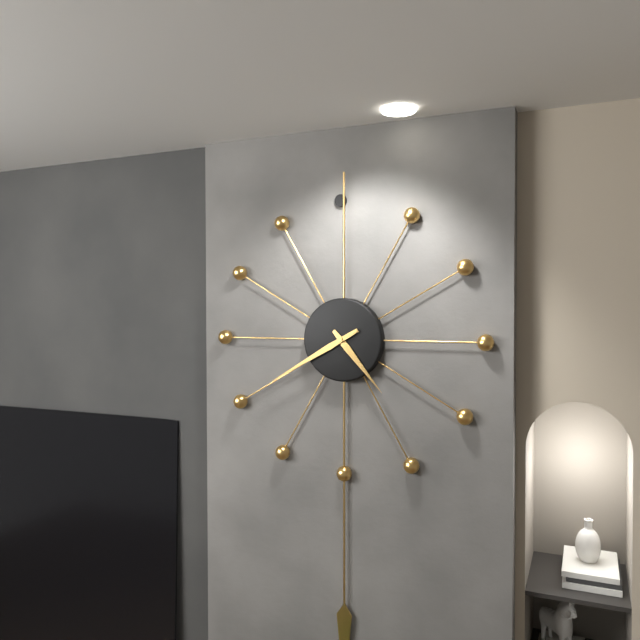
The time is **4:40**
